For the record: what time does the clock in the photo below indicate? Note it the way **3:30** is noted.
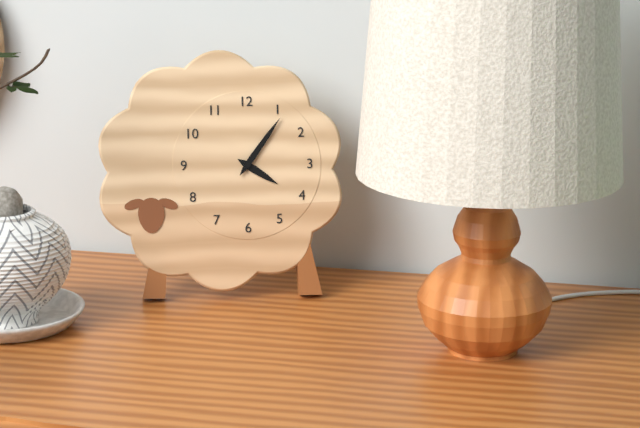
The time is **4:06**
